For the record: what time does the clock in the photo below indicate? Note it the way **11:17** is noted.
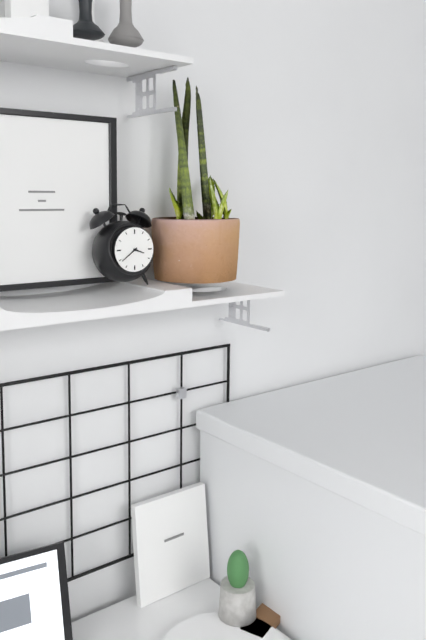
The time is **3:39**
